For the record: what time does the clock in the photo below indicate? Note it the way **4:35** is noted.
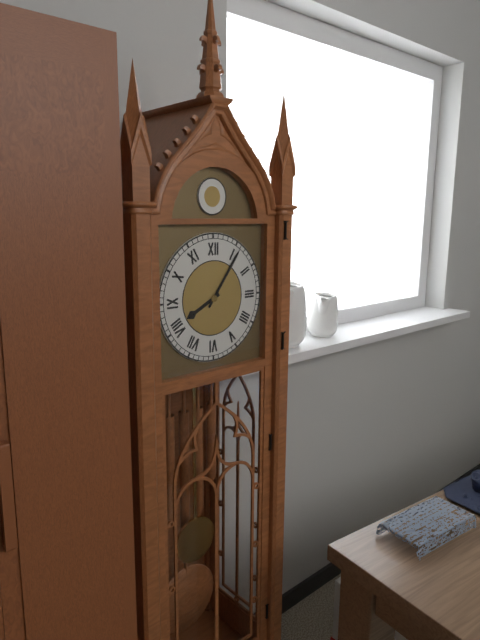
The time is **8:06**
